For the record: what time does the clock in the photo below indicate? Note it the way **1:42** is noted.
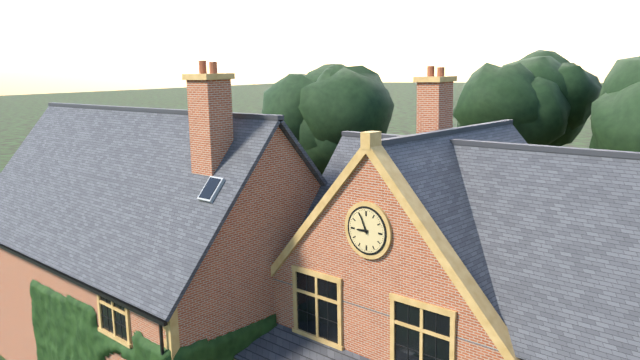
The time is **8:56**
